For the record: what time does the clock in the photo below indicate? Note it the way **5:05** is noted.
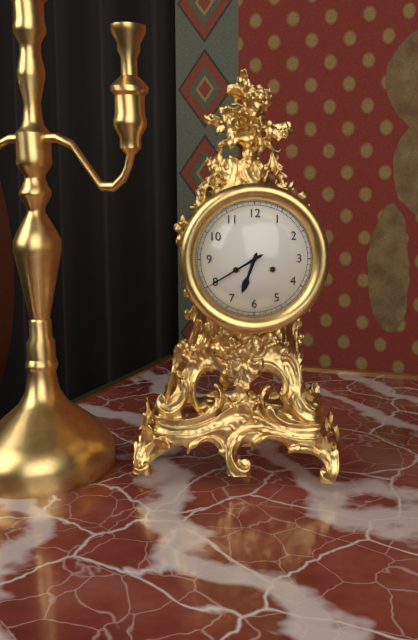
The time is **6:40**
